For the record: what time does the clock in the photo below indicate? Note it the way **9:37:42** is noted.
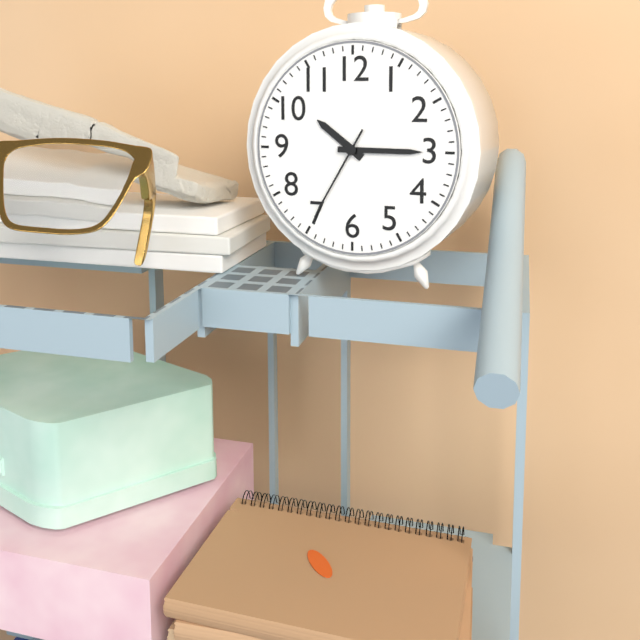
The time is **10:15:35**
